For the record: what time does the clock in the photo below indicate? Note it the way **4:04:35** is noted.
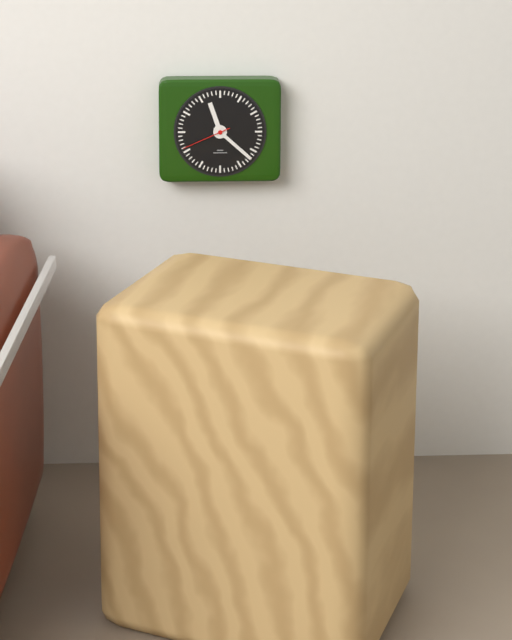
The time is **11:22:41**
